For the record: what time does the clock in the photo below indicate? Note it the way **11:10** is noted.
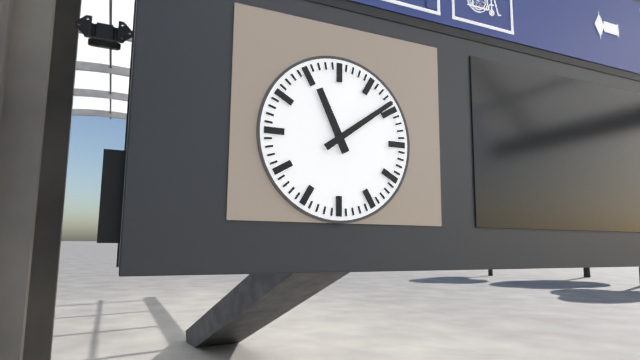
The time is **11:09**
